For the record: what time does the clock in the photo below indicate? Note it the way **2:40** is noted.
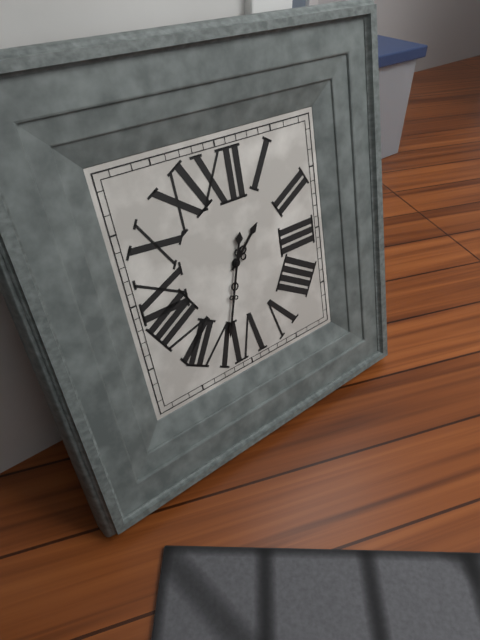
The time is **1:33**
